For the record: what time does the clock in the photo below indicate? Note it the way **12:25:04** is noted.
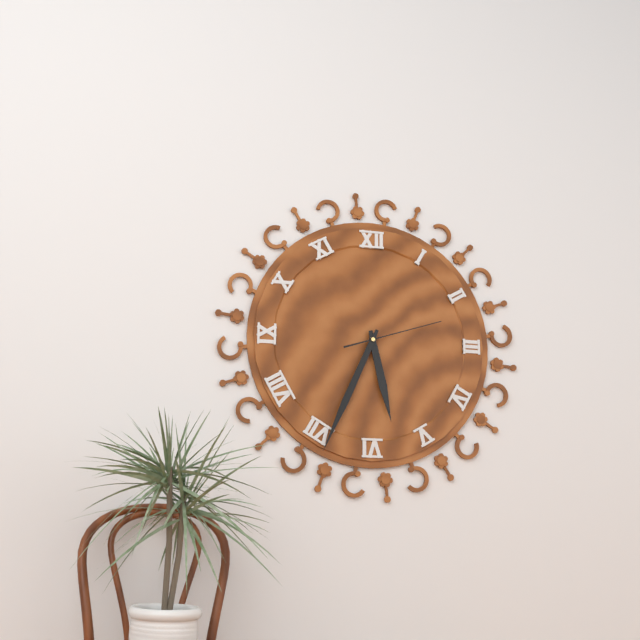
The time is **5:34:12**
